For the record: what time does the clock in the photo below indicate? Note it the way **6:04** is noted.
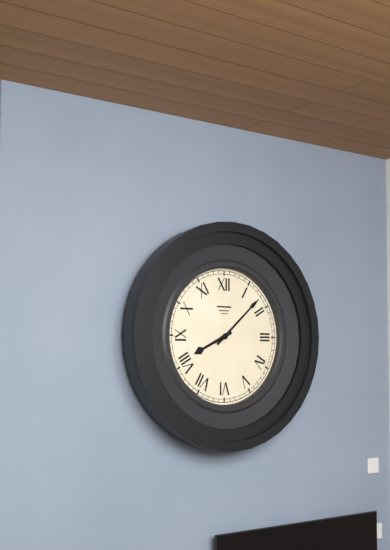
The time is **8:08**
